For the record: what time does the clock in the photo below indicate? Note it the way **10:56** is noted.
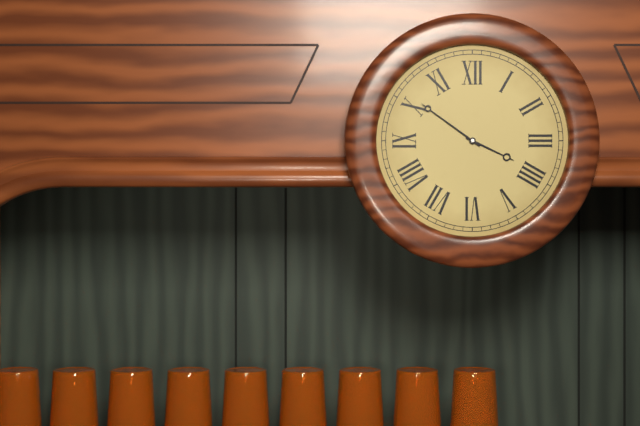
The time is **3:51**
